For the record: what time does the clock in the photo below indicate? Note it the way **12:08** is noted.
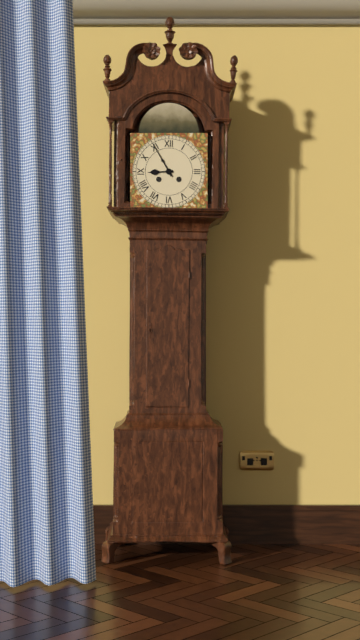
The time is **8:55**
